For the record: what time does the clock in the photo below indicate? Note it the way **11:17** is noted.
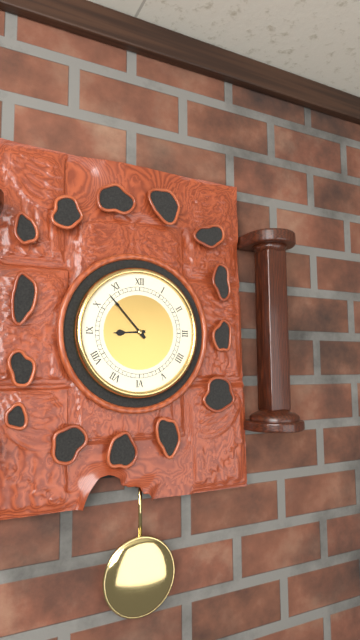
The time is **8:53**
